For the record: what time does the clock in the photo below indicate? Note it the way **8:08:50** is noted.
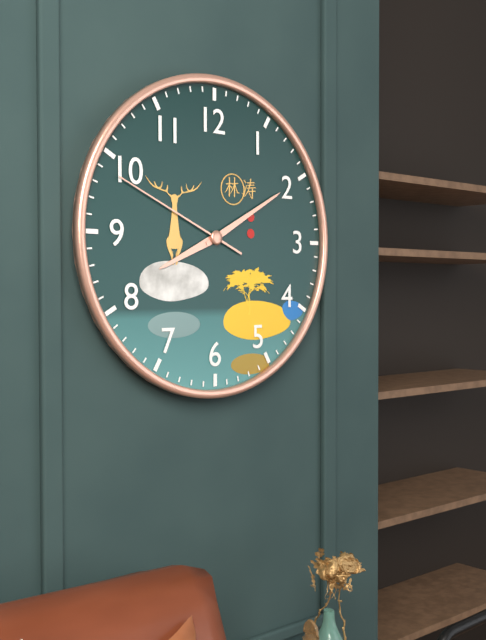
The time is **8:10:49**
